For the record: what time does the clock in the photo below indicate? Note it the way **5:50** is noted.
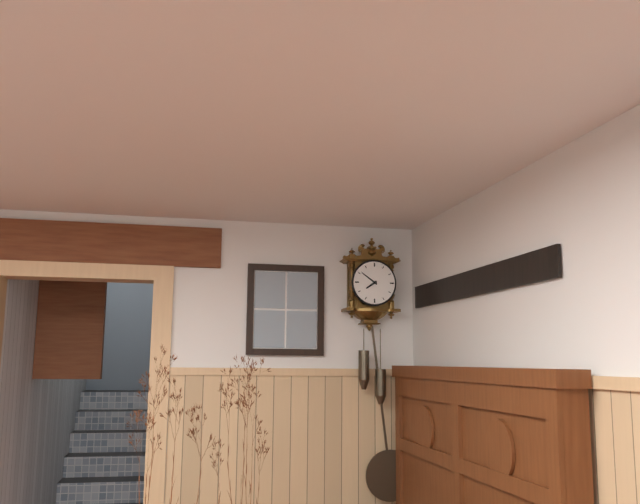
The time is **7:51**
